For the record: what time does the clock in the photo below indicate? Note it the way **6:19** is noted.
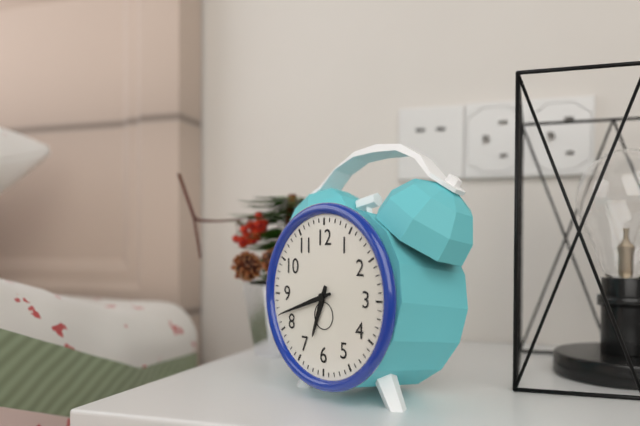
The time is **6:42**
